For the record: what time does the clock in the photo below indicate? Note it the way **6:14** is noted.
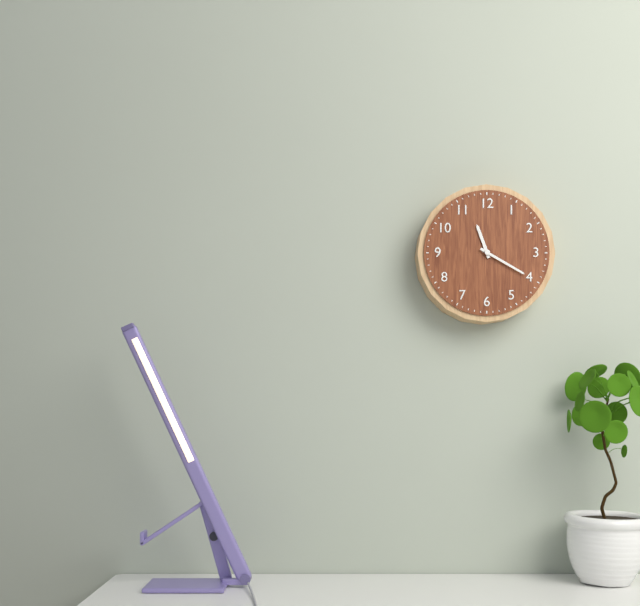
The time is **11:20**
